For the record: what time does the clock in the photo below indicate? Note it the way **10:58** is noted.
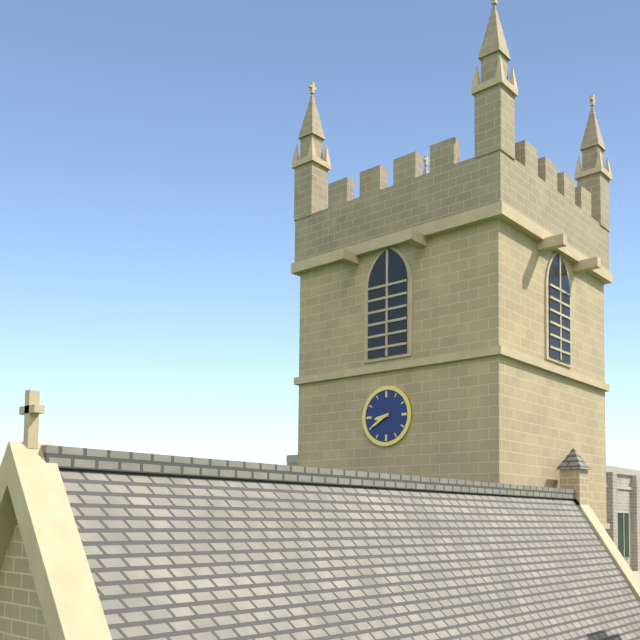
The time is **8:40**
